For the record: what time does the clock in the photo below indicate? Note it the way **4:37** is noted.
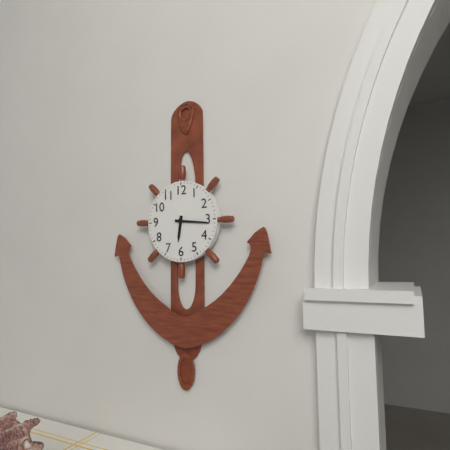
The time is **6:16**
